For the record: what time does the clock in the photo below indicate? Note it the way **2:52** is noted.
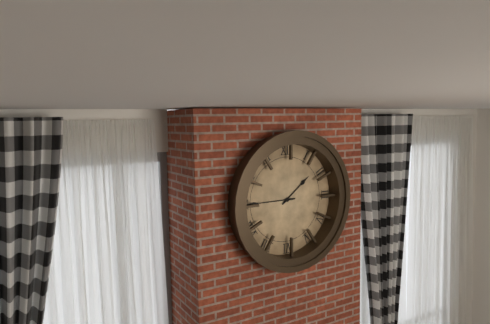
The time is **1:45**
